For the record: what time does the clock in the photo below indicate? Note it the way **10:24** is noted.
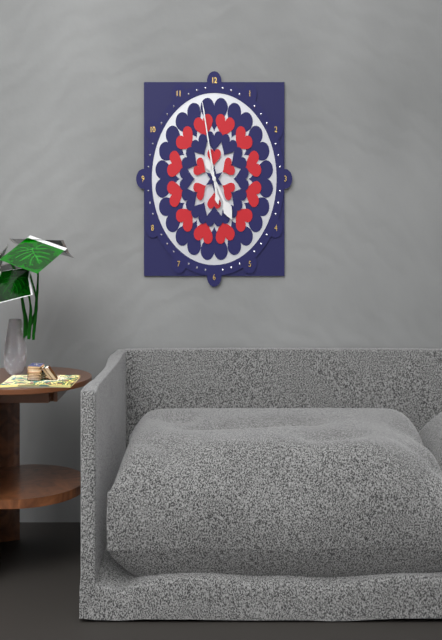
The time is **4:58**
